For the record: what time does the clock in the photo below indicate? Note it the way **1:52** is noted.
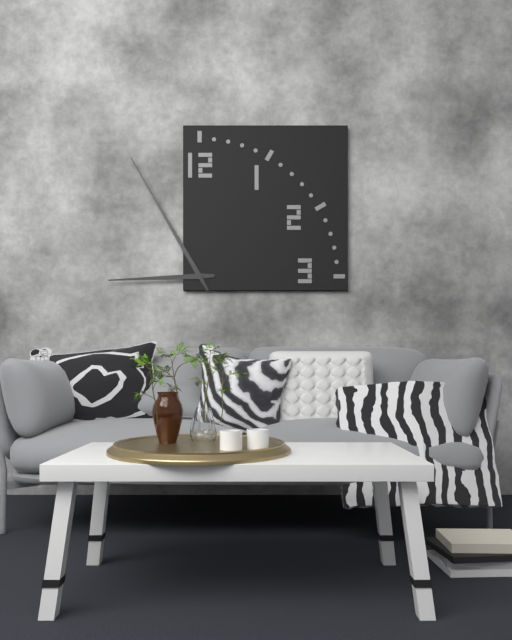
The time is **8:55**
